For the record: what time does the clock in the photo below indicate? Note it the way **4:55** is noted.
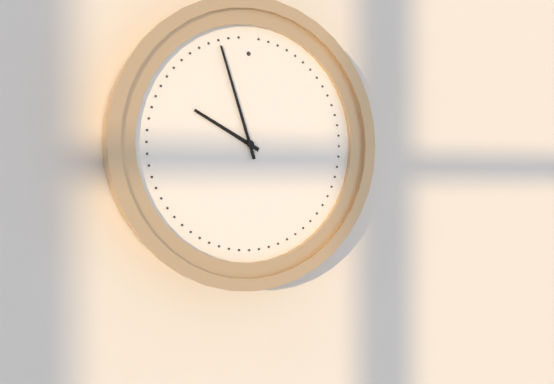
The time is **9:57**
